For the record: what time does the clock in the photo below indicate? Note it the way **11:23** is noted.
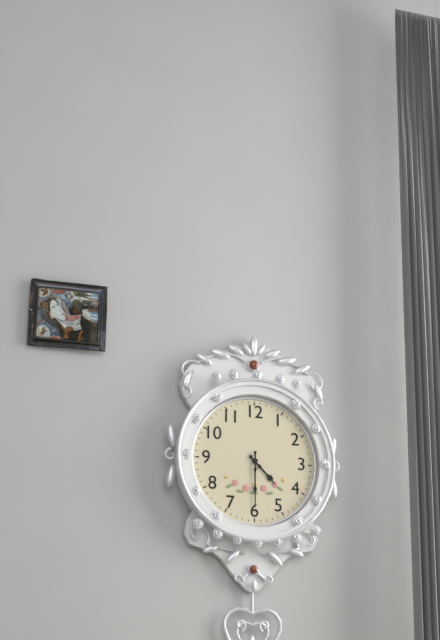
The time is **4:30**
